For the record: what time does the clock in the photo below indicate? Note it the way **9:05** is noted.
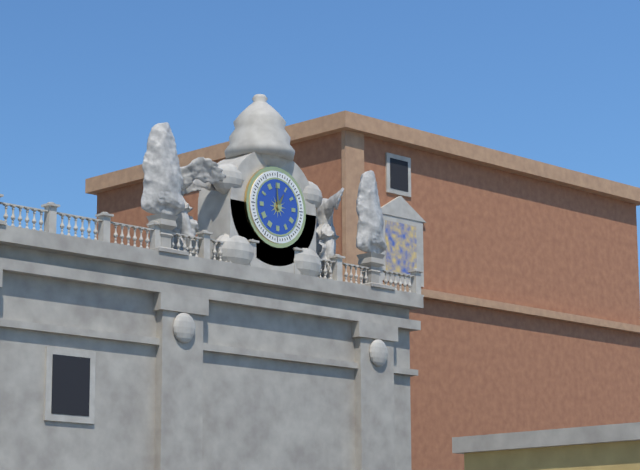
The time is **12:59**
